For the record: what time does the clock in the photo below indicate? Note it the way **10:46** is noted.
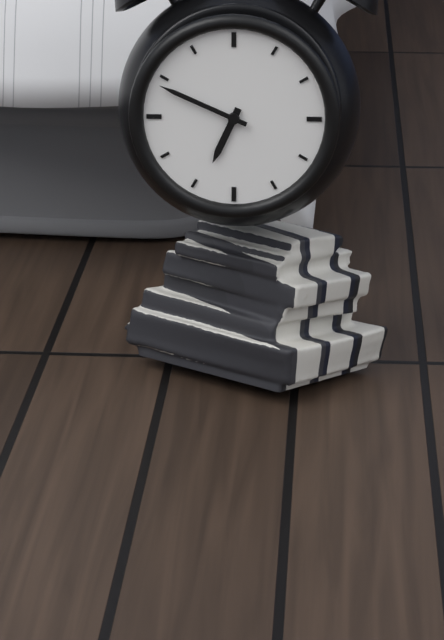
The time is **6:49**
